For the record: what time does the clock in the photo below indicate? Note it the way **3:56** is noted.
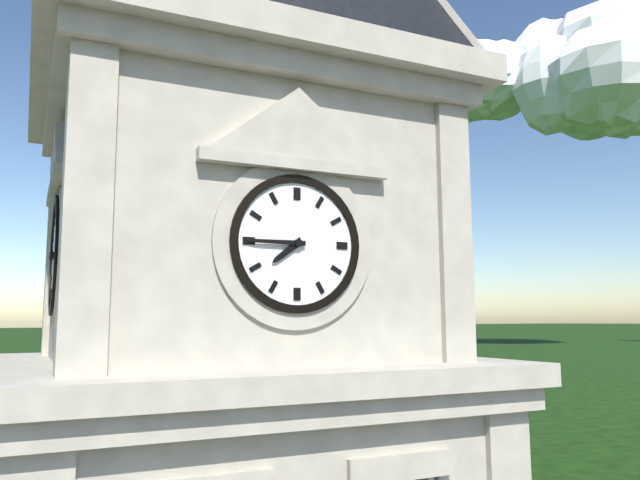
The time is **7:45**
